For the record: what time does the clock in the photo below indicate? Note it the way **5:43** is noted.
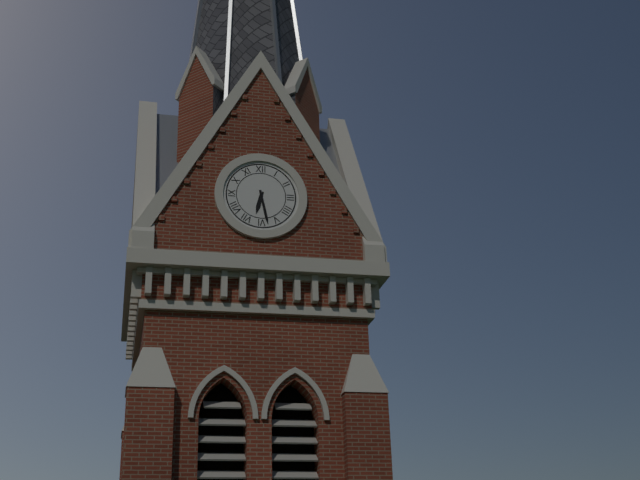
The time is **6:28**
